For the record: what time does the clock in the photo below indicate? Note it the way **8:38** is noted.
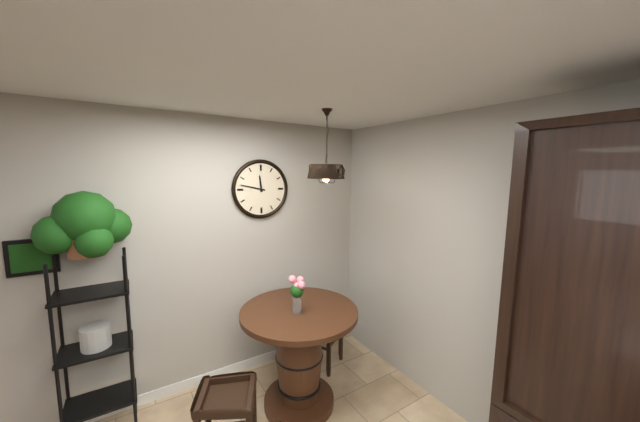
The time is **11:47**
